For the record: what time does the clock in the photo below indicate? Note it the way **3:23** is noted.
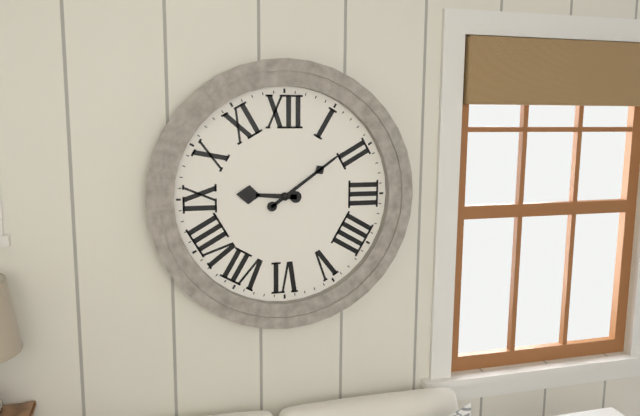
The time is **9:09**
